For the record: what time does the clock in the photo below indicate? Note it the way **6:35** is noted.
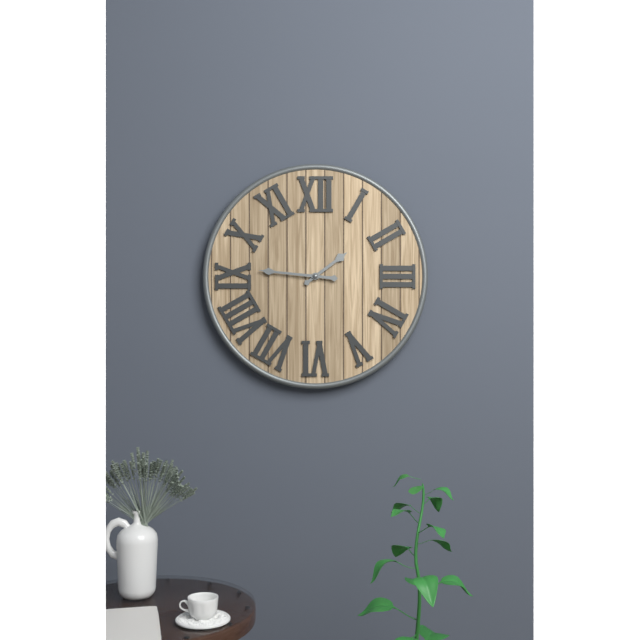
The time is **1:46**
